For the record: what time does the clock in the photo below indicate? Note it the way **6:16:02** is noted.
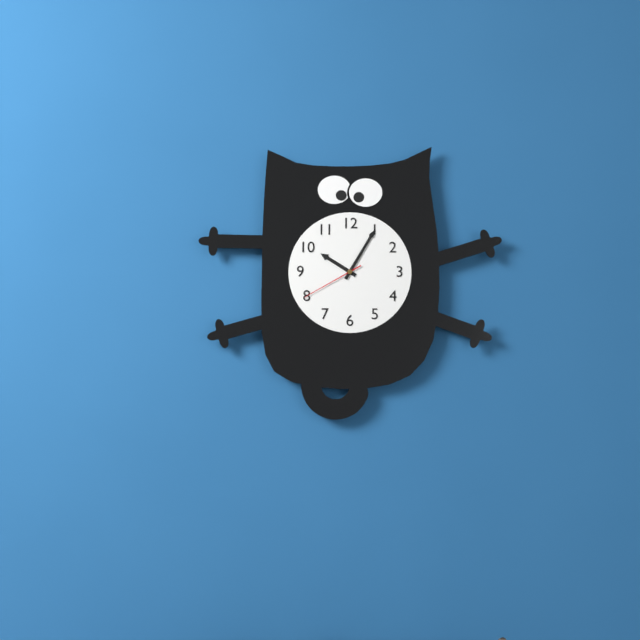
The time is **10:05:40**
